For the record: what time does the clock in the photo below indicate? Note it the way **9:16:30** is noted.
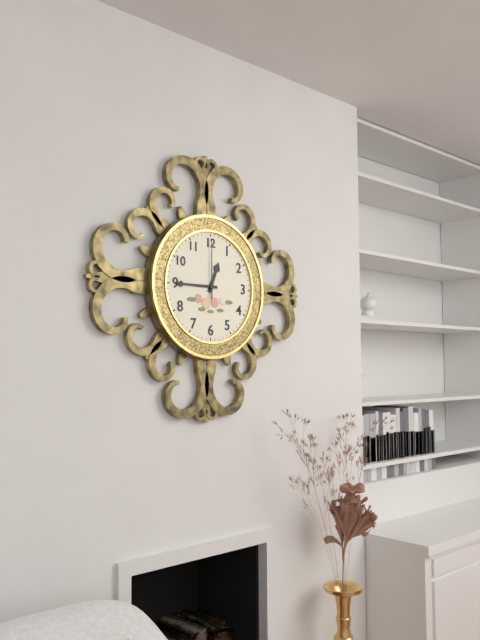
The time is **12:45:00**
